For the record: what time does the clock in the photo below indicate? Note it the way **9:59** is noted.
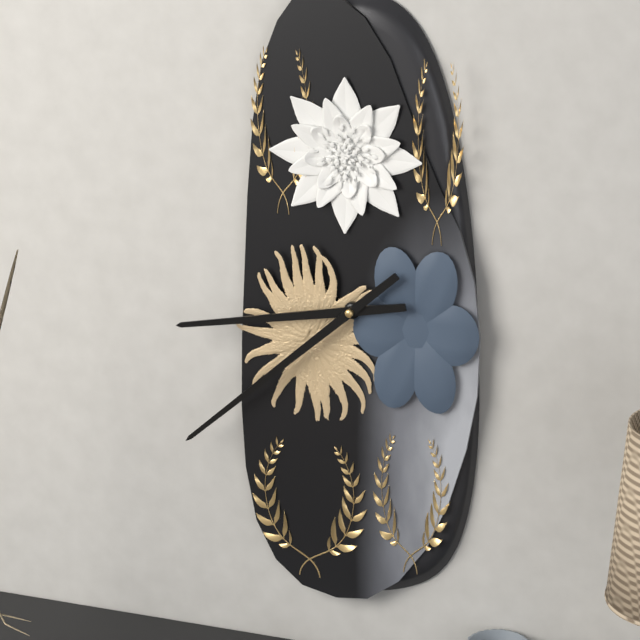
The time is **8:38**
